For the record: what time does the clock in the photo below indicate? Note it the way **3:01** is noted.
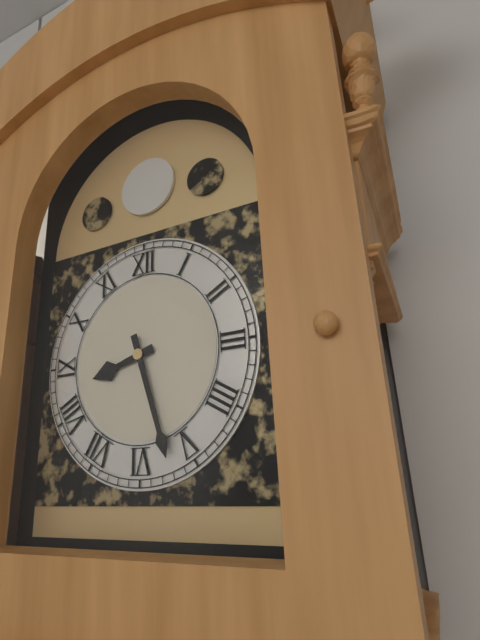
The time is **8:27**
